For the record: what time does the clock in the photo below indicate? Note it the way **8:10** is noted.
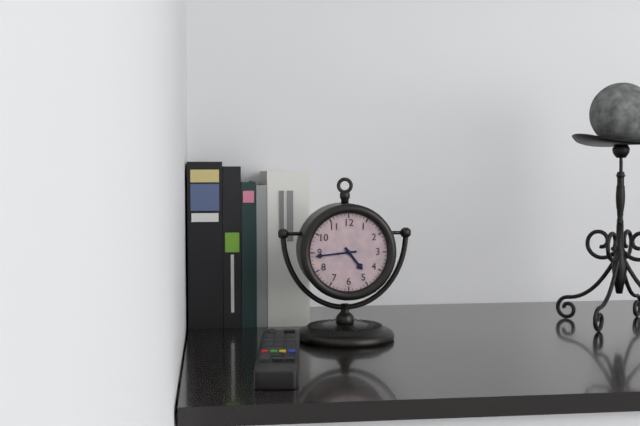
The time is **4:44**
